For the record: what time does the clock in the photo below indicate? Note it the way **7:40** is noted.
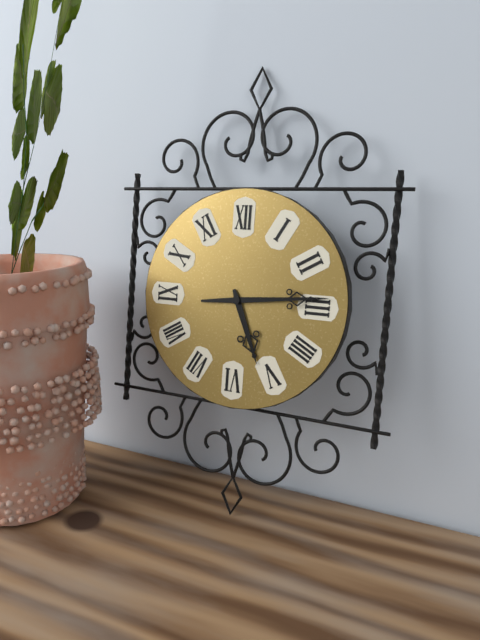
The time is **5:14**
